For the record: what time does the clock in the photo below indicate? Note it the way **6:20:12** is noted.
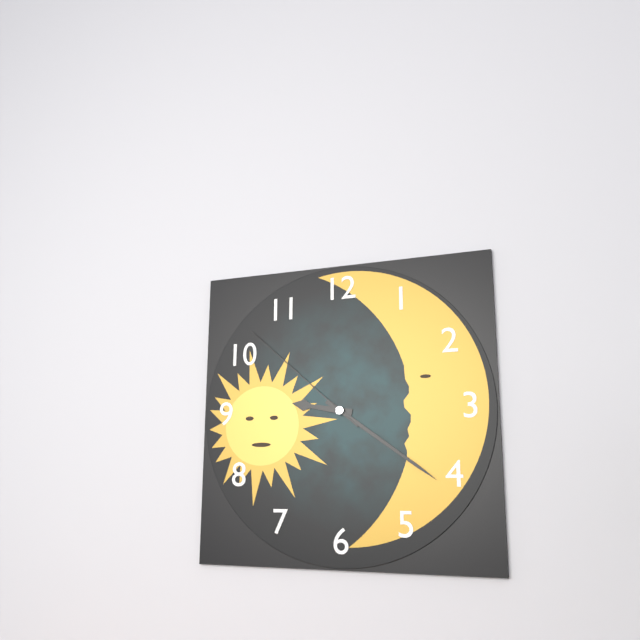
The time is **9:21:52**
